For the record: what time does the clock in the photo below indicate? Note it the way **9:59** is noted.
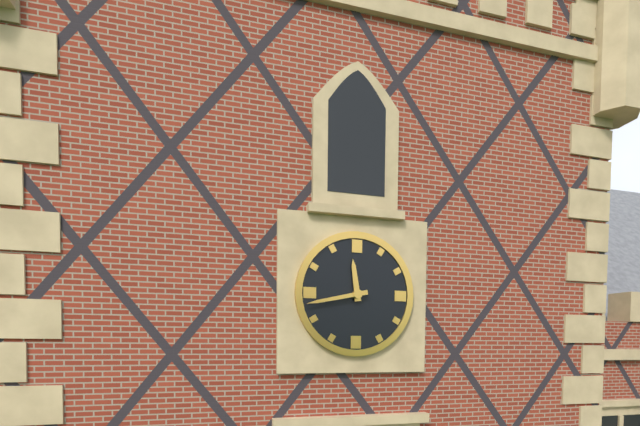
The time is **11:43**
